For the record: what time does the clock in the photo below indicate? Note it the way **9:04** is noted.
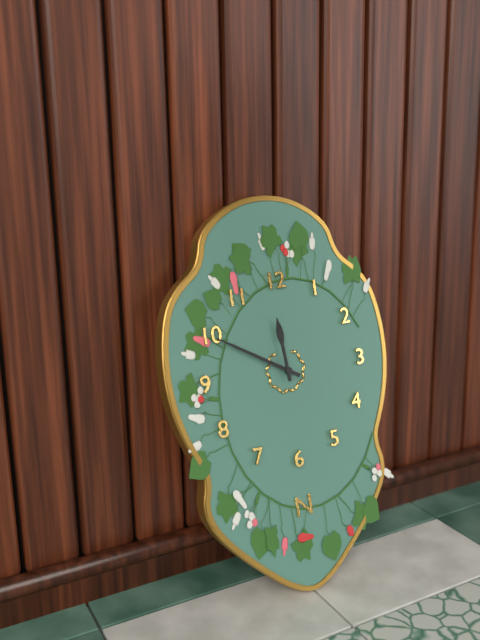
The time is **11:50**
